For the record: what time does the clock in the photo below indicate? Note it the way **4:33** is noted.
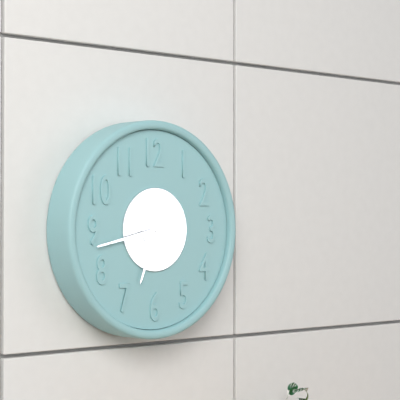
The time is **6:43**
